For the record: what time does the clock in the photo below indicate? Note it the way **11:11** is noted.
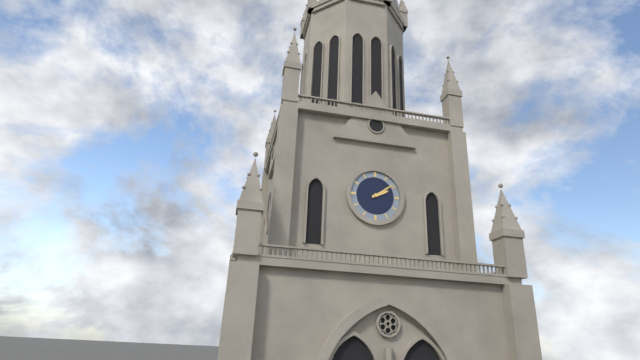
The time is **2:09**
